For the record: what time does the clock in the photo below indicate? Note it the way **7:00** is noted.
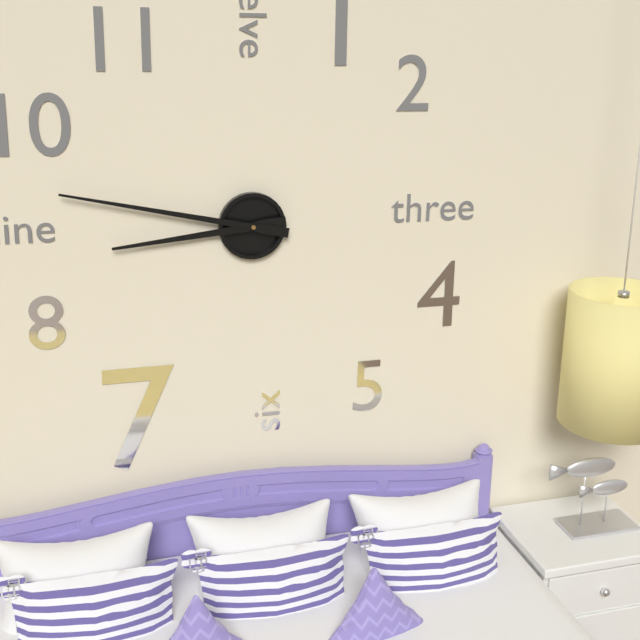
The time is **8:47**
